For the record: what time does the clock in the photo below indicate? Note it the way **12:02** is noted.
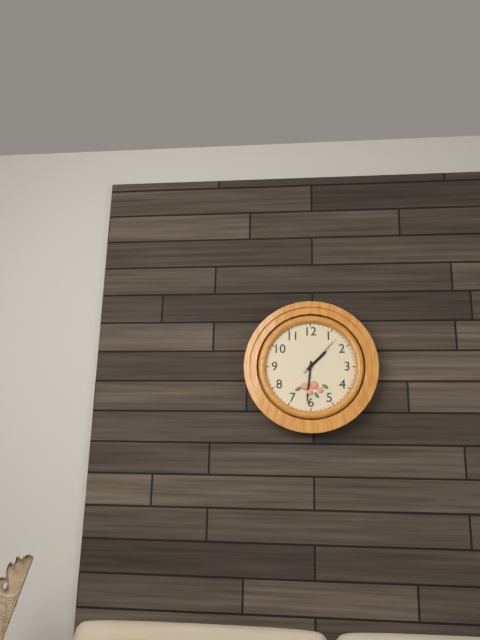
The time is **1:31**
